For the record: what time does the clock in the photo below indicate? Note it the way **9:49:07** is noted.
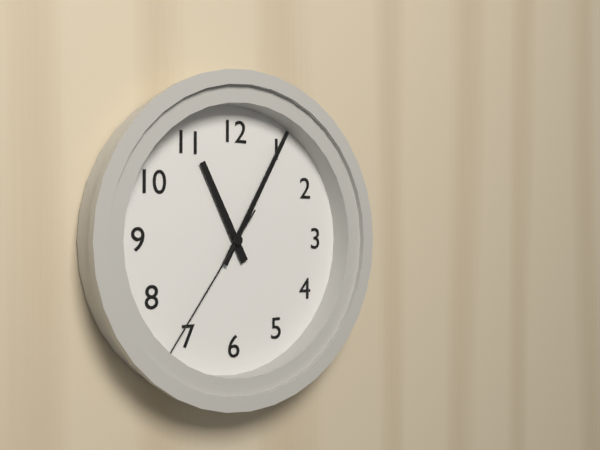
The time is **11:05:36**
